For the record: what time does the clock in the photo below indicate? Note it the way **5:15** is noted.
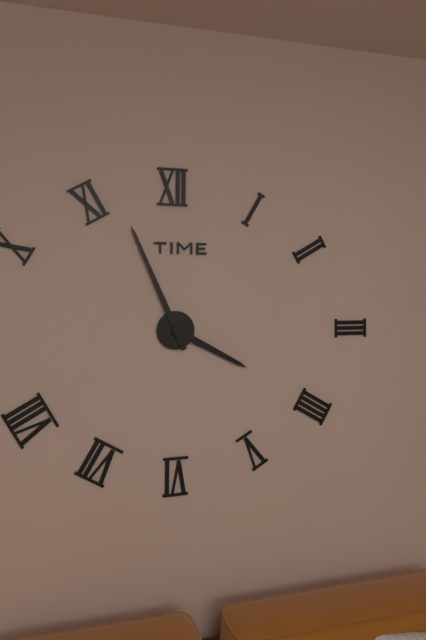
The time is **3:56**
